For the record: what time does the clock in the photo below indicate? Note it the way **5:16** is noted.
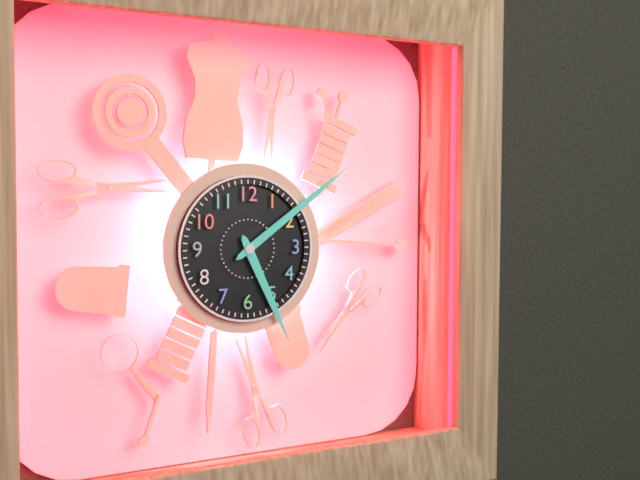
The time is **5:09**
